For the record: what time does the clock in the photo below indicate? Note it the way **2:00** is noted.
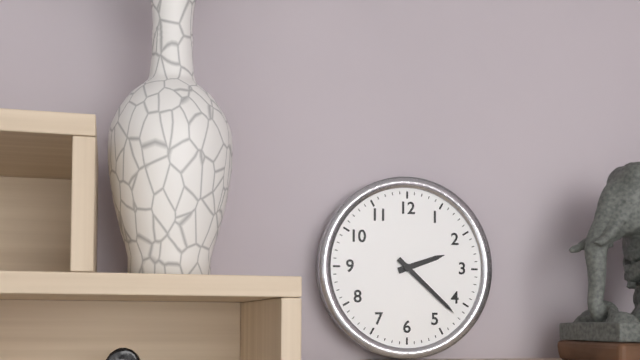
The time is **2:22**
